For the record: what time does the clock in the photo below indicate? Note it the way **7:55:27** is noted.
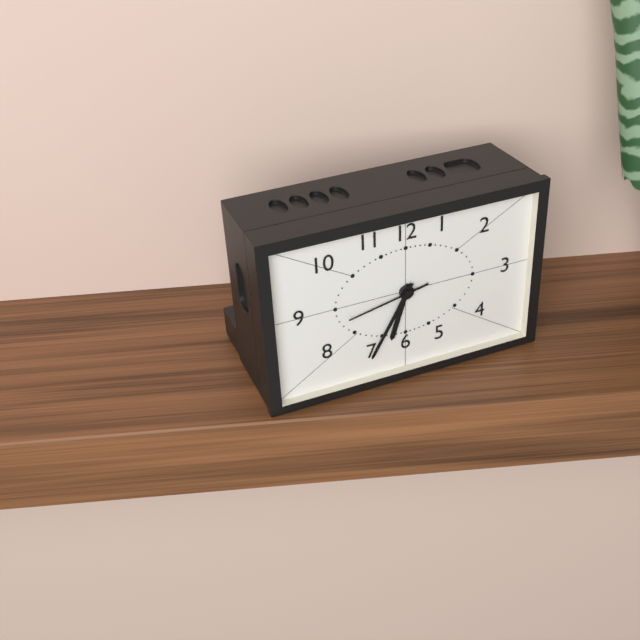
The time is **6:35:43**
